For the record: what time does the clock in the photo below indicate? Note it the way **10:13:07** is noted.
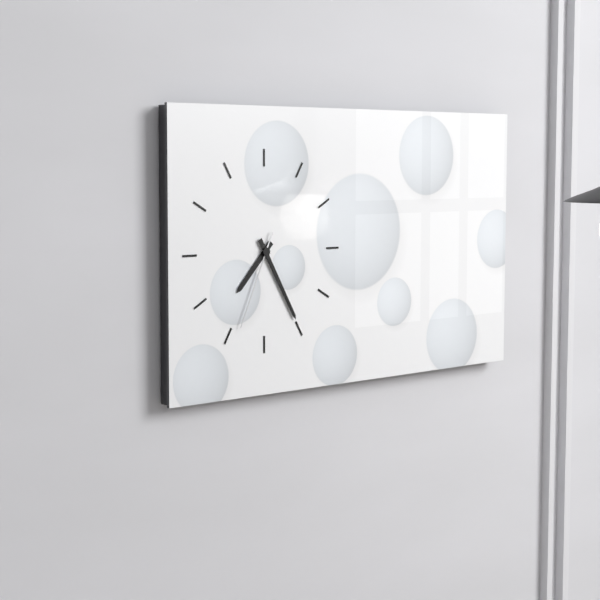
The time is **7:25:34**
